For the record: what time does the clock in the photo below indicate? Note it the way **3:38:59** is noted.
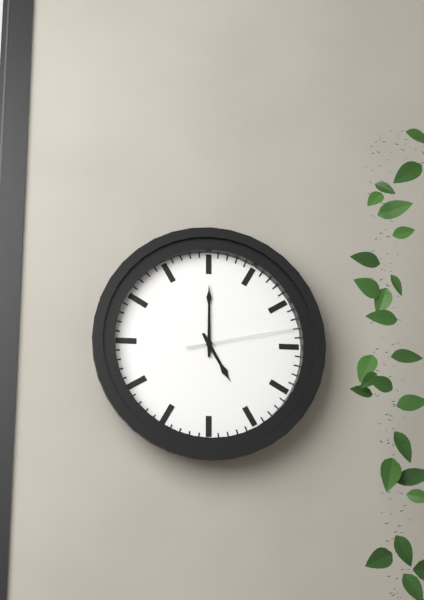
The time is **5:00:13**
